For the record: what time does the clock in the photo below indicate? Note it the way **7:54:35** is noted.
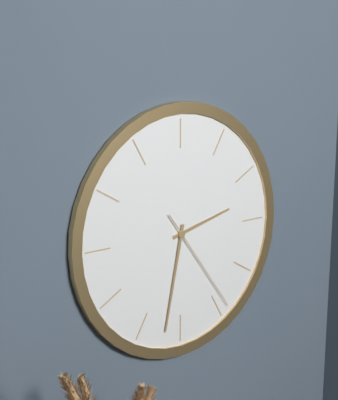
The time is **2:32:24**
